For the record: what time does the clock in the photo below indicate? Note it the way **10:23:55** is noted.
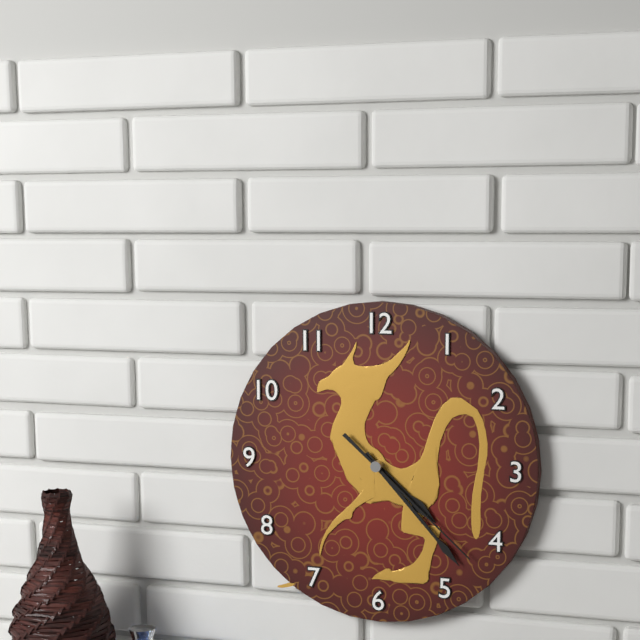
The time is **4:23:22**
